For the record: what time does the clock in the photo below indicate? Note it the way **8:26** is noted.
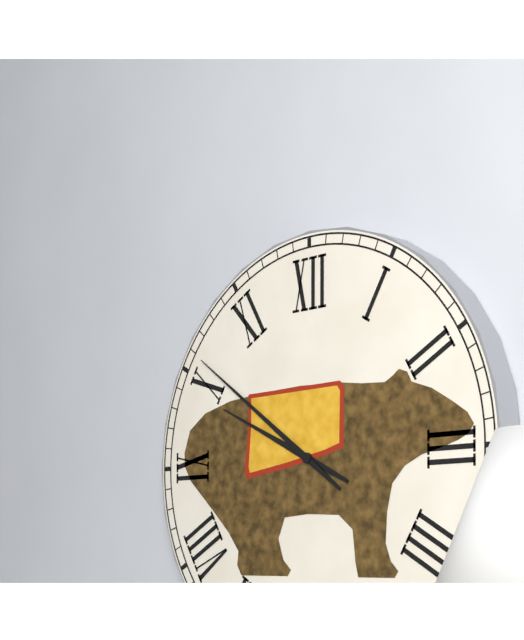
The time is **9:51**
